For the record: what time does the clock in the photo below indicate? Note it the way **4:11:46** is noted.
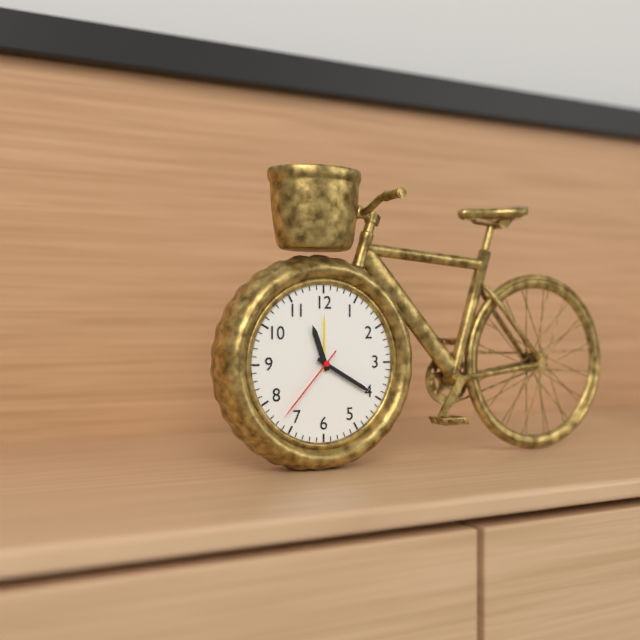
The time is **11:20:37**
